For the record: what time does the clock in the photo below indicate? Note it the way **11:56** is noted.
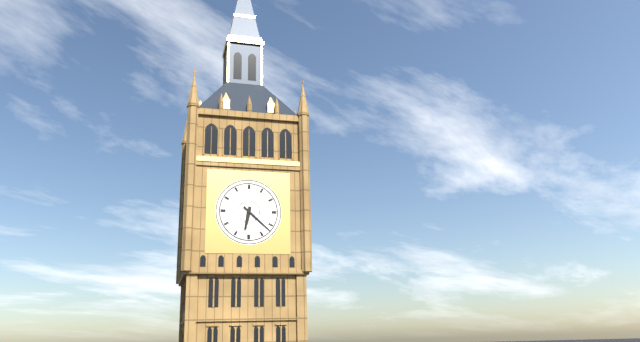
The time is **6:22**
